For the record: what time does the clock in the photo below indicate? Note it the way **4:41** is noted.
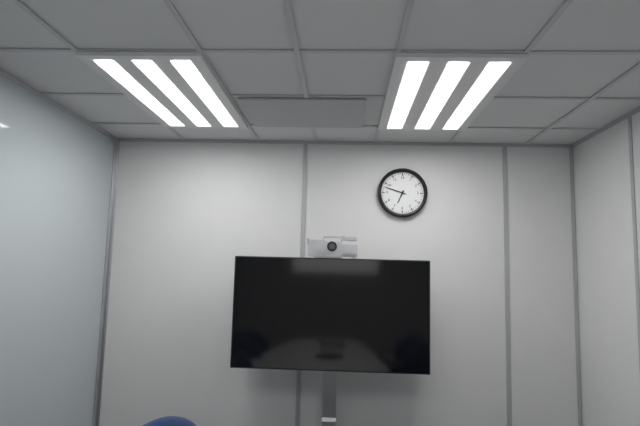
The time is **6:48**
